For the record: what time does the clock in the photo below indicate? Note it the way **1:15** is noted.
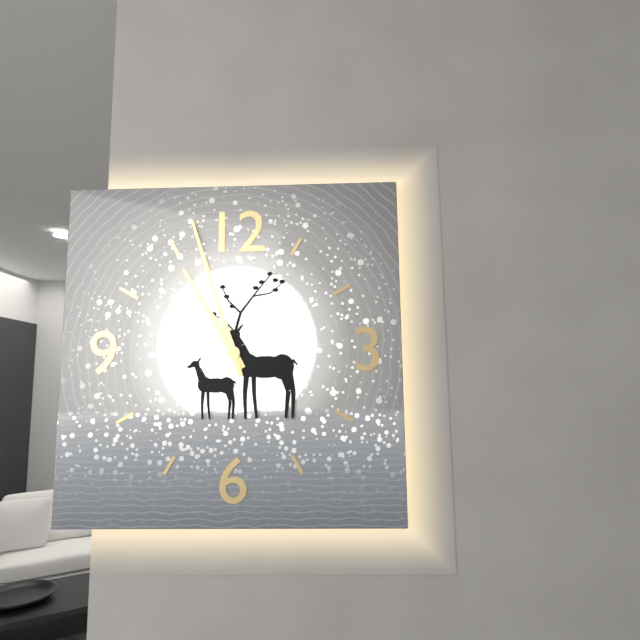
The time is **10:57**
